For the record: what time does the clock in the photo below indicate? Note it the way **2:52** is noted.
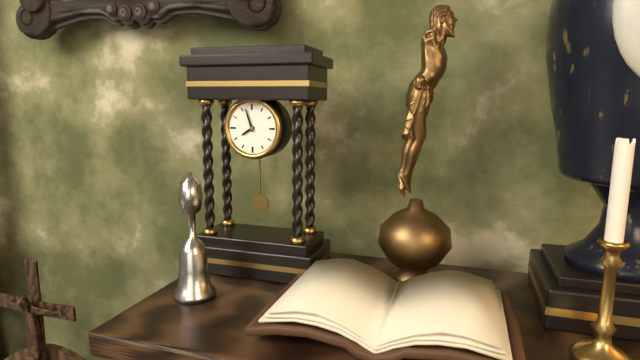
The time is **7:57**
